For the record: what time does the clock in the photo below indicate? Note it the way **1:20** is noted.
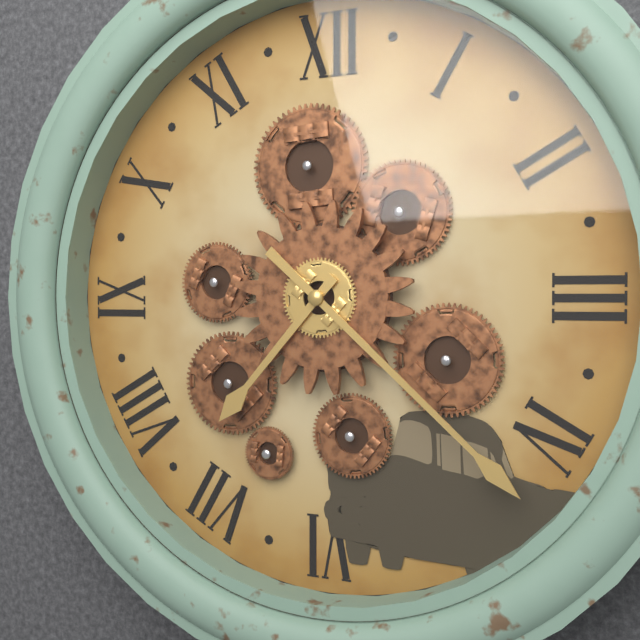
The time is **7:22**
